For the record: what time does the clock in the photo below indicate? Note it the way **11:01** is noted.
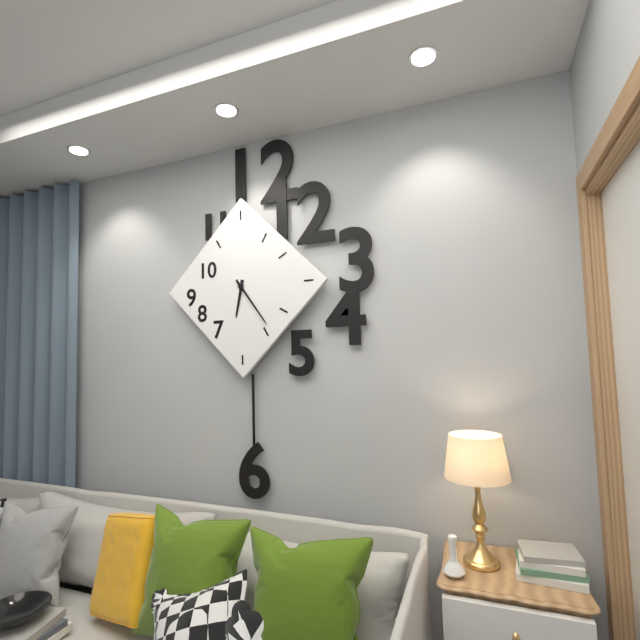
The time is **6:24**
